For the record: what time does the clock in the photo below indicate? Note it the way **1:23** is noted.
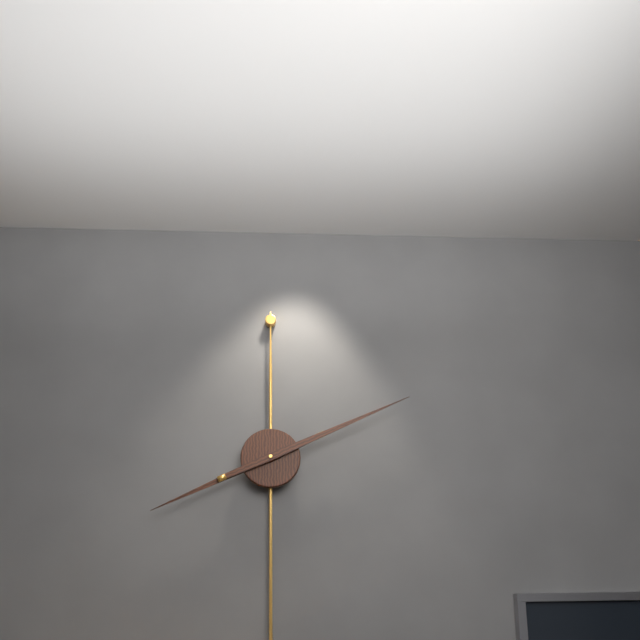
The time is **8:11**
